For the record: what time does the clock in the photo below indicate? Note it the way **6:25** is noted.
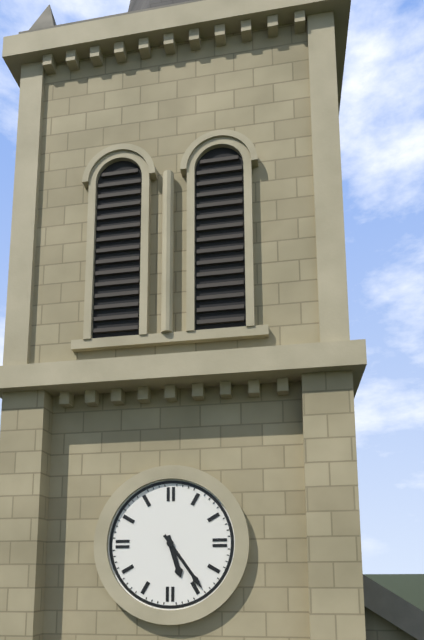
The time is **5:24**
